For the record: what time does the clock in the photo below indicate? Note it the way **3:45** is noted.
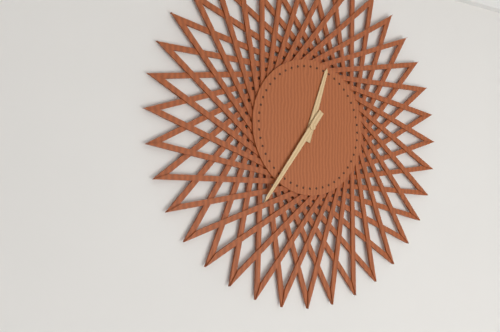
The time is **12:36**
